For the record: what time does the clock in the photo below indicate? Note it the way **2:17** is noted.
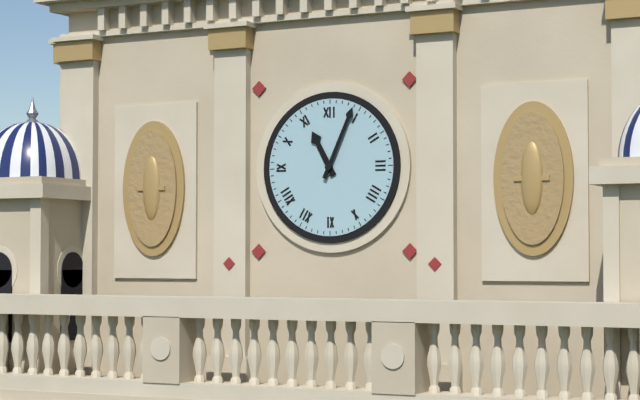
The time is **11:04**
